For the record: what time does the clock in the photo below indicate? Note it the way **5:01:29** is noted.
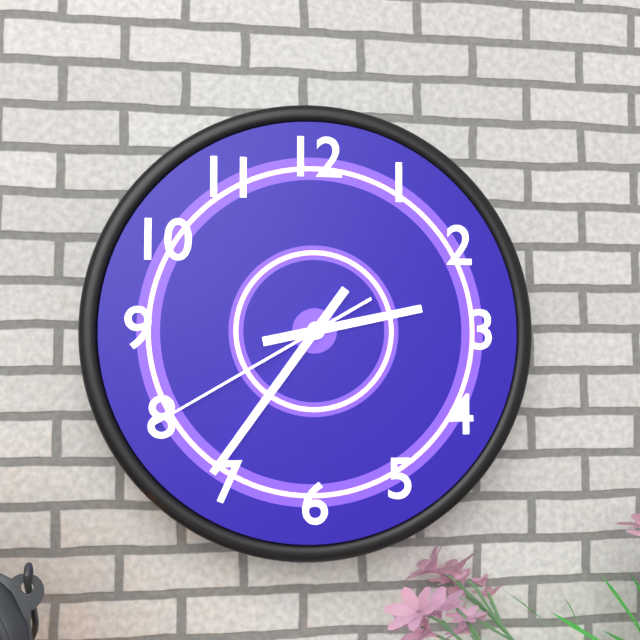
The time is **2:36:40**
